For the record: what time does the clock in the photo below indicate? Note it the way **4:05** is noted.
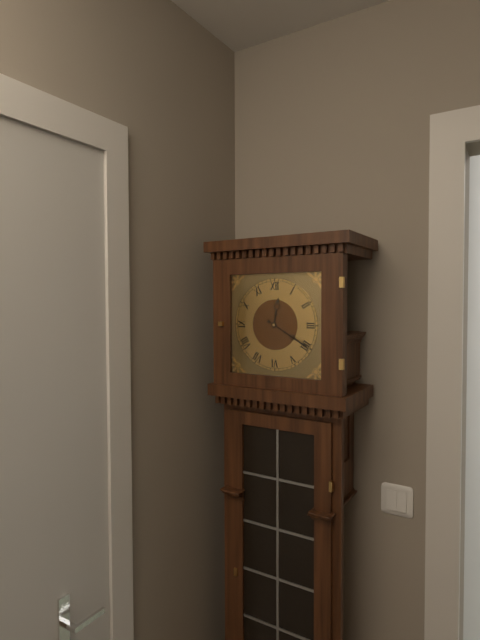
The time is **12:20**
